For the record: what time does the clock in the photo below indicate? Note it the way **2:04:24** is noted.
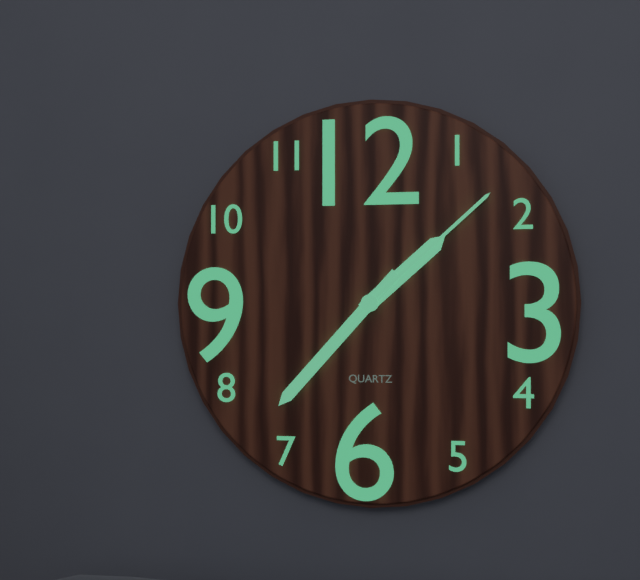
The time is **1:37:08**
